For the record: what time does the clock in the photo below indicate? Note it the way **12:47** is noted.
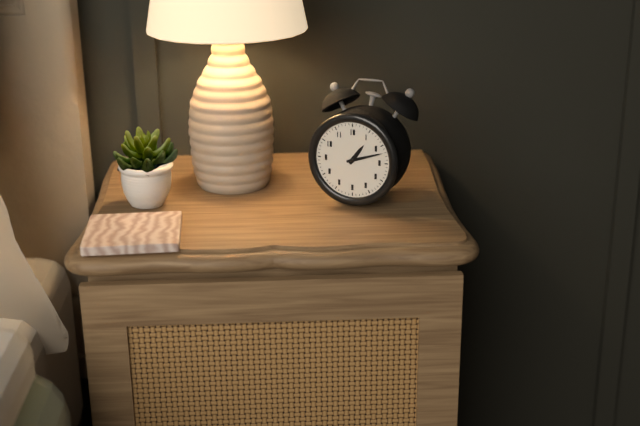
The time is **1:12**
